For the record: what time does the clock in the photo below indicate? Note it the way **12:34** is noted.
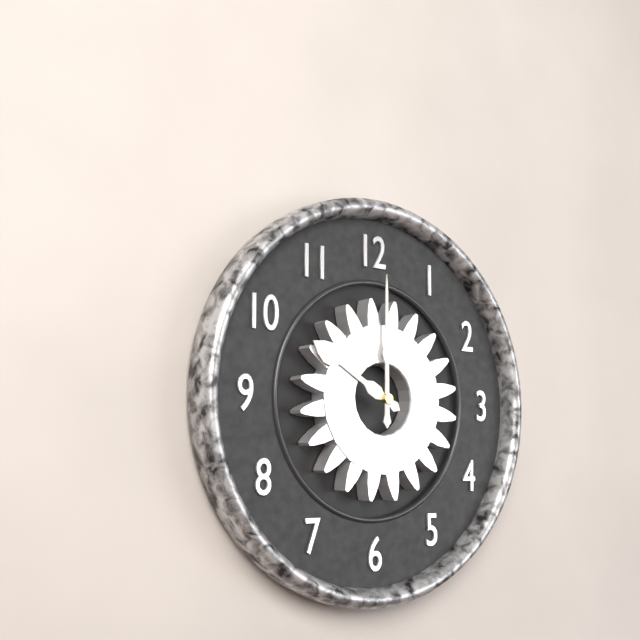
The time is **10:00**
